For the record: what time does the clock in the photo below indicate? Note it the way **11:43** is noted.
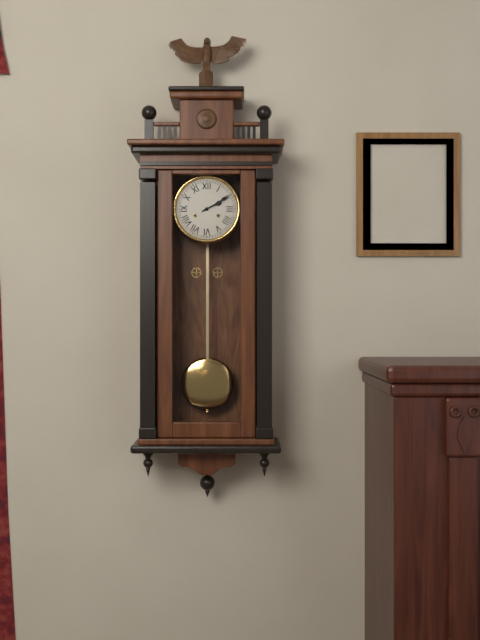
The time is **2:10**
